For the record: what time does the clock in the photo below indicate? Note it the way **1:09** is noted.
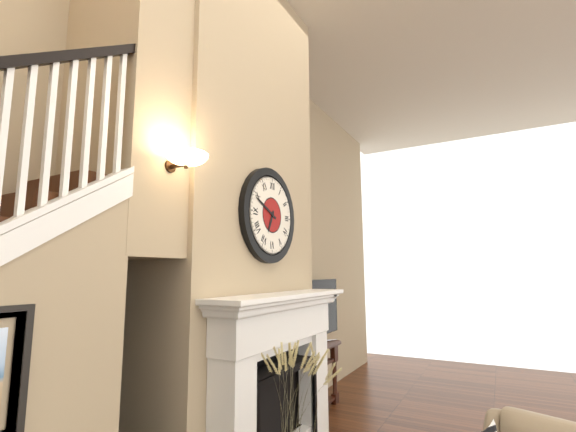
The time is **6:49**
